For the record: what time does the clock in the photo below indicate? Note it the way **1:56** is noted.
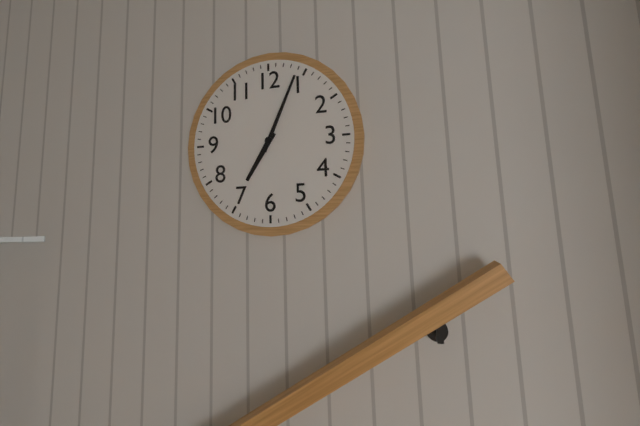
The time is **7:04**
